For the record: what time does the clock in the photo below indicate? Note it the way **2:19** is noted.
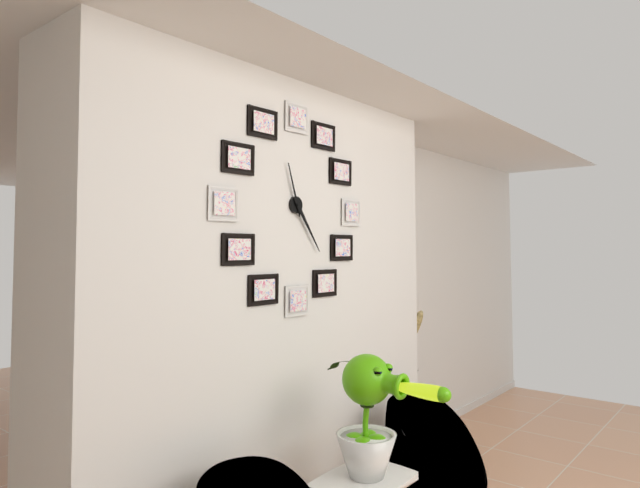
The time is **11:24**
